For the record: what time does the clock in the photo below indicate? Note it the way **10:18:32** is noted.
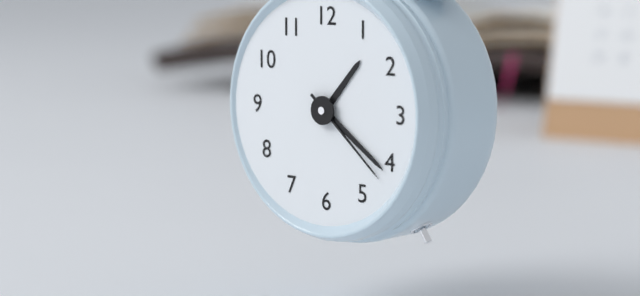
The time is **1:21:22**
